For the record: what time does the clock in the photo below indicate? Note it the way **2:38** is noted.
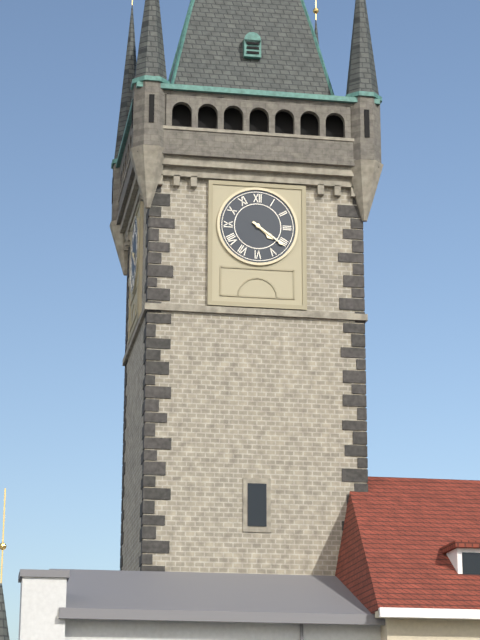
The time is **4:21**
